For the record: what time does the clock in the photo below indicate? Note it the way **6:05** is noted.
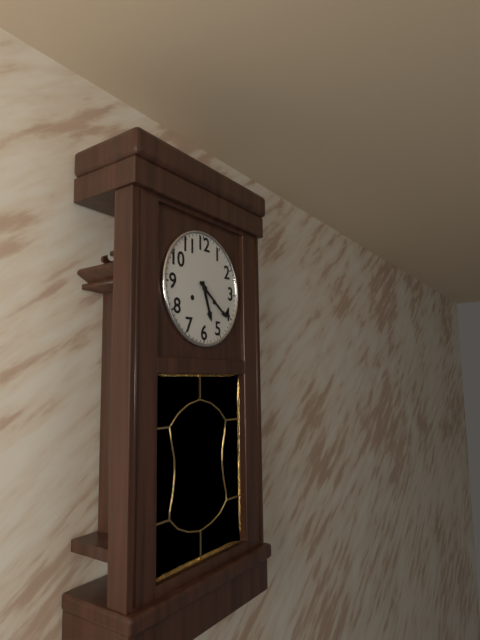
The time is **5:21**
